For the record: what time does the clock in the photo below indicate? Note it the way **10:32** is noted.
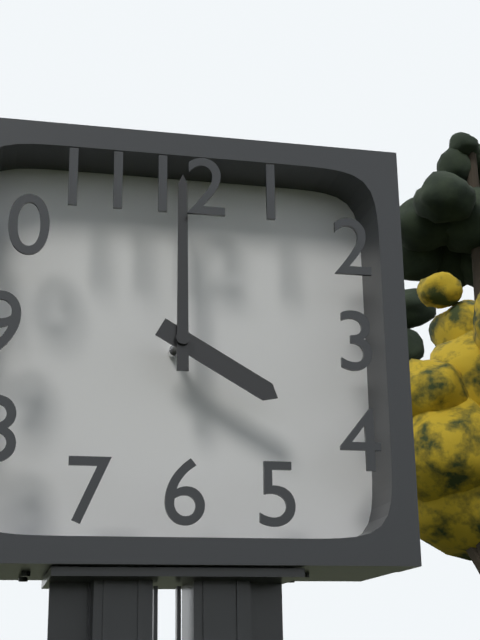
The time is **4:00**
